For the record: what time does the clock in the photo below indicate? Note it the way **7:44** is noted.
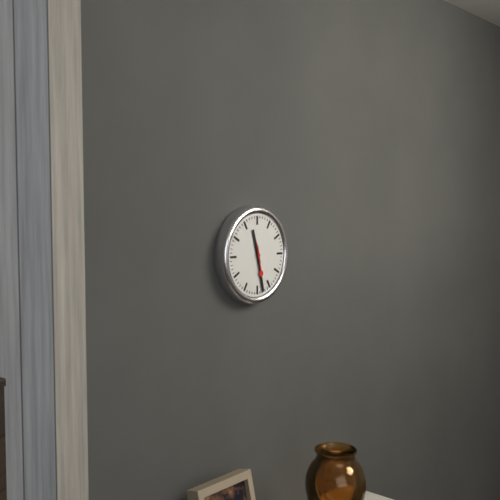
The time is **11:28**
